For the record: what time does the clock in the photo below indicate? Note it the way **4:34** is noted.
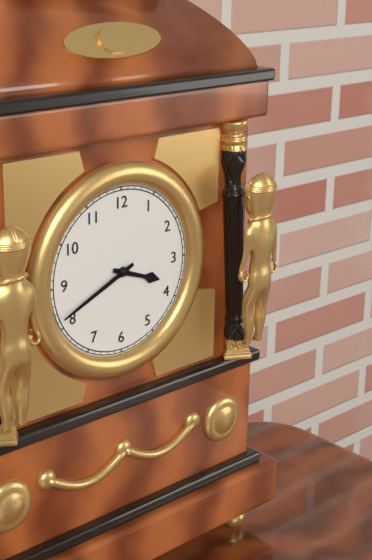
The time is **3:41**
